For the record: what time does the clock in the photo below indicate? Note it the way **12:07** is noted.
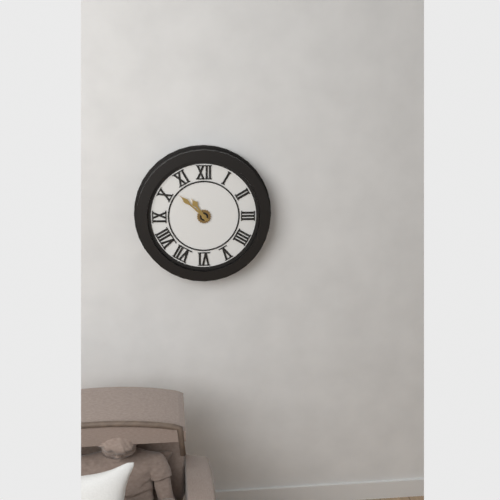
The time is **10:52**
